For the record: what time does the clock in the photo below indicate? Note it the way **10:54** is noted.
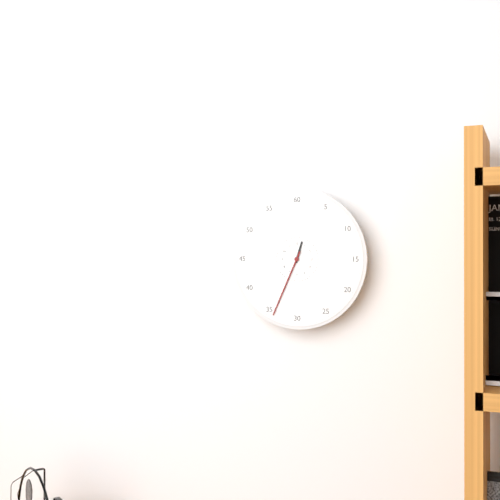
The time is **12:34**
